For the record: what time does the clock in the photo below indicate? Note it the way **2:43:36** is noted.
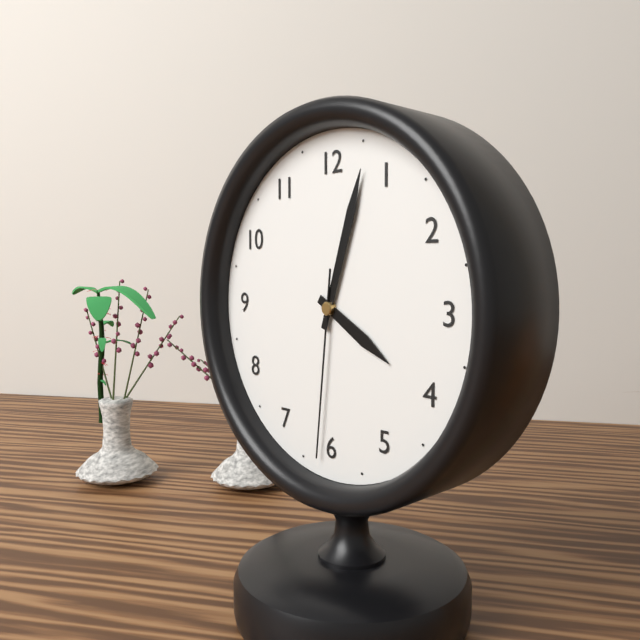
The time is **4:03:31**
